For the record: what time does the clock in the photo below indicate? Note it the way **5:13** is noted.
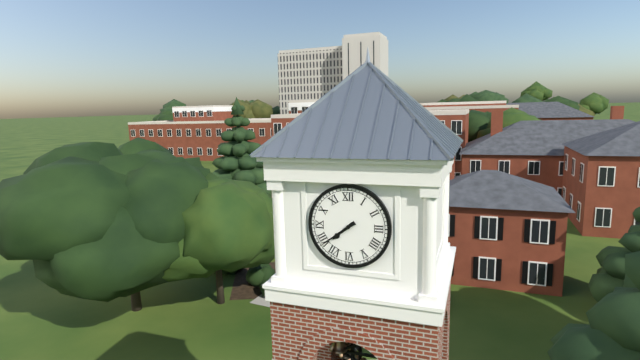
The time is **7:39**
